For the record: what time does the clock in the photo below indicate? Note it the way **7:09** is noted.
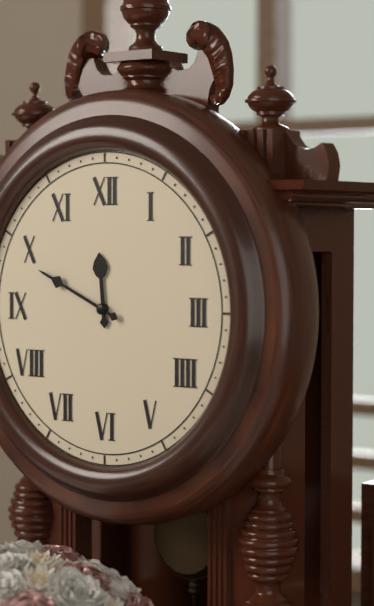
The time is **11:49**
